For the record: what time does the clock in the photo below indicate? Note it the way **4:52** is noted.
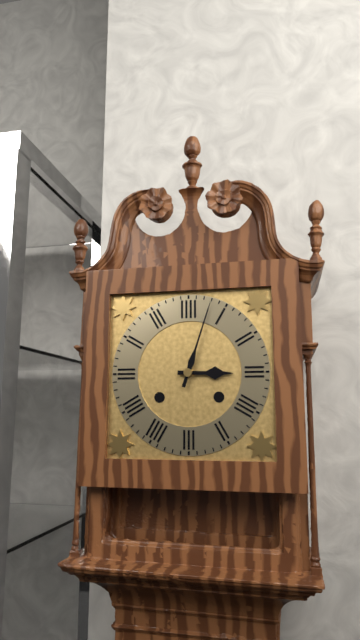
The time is **3:03**
